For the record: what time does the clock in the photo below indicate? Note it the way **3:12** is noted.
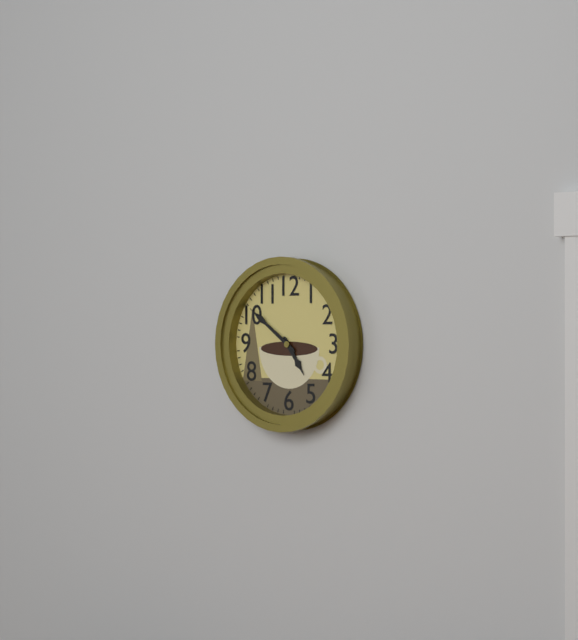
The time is **4:51**
